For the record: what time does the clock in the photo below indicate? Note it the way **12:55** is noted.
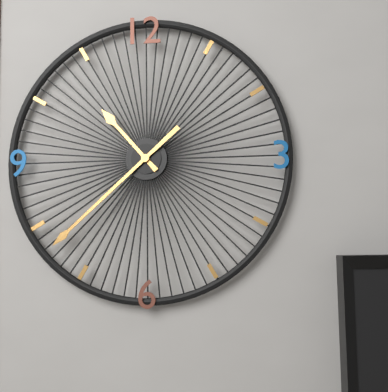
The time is **10:38**
